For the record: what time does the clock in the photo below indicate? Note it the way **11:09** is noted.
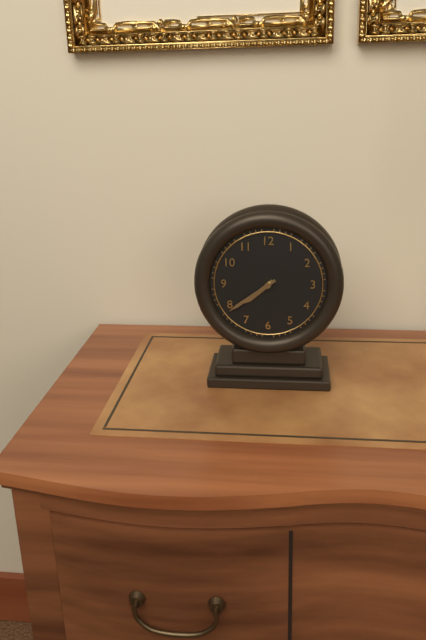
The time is **7:39**
